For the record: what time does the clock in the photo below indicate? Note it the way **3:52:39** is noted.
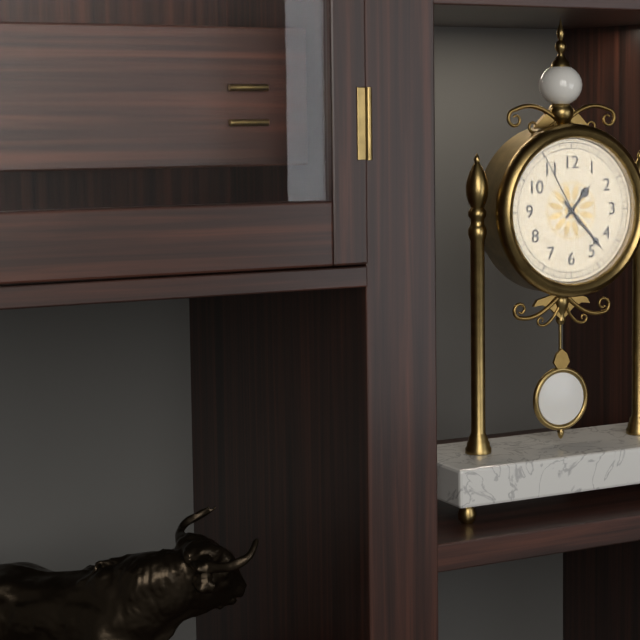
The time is **1:23:55**
